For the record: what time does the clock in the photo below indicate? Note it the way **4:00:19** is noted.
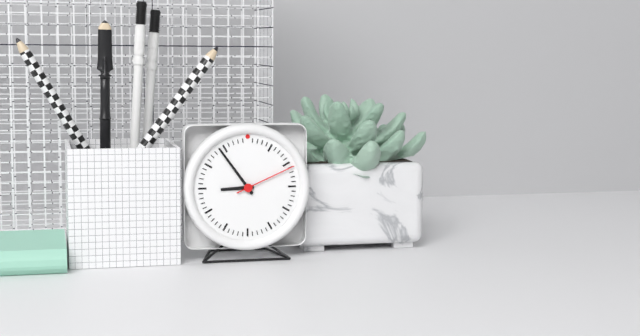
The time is **8:54:11**
